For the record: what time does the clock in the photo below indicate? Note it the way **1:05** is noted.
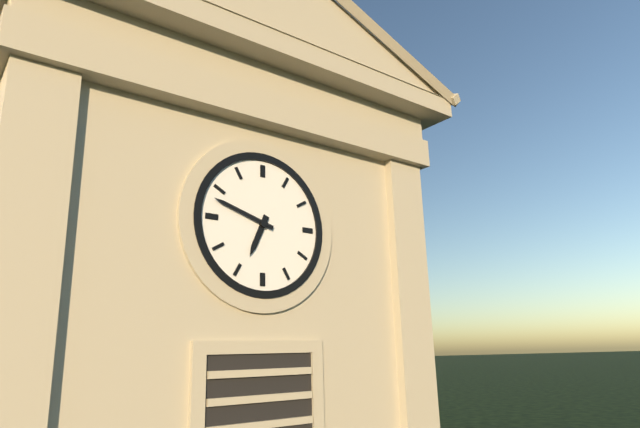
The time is **6:48**
